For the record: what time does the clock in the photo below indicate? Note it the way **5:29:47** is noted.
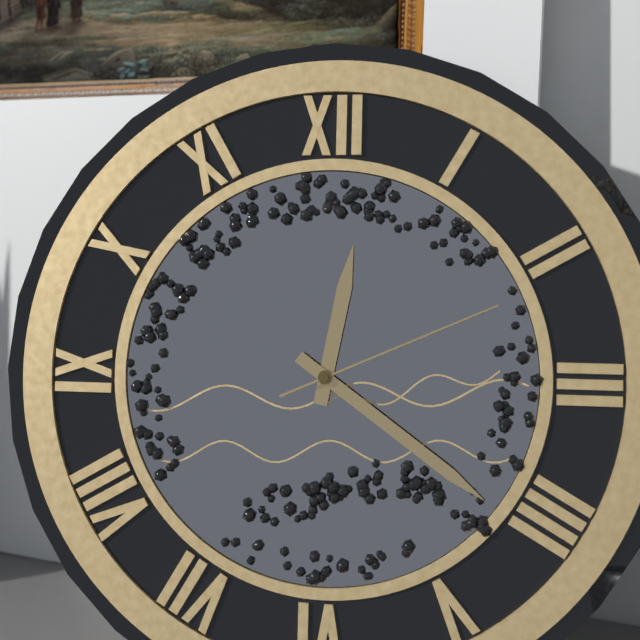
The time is **12:21:11**
